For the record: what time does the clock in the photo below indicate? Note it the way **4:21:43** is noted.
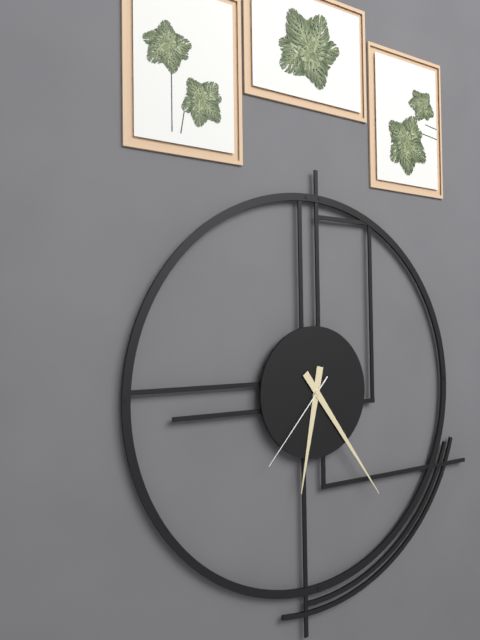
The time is **6:24:37**
